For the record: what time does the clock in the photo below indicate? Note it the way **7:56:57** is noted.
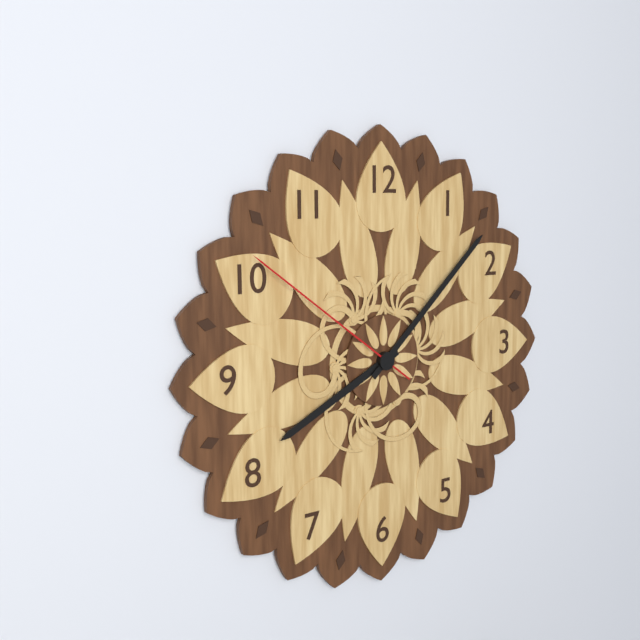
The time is **8:08:51**
